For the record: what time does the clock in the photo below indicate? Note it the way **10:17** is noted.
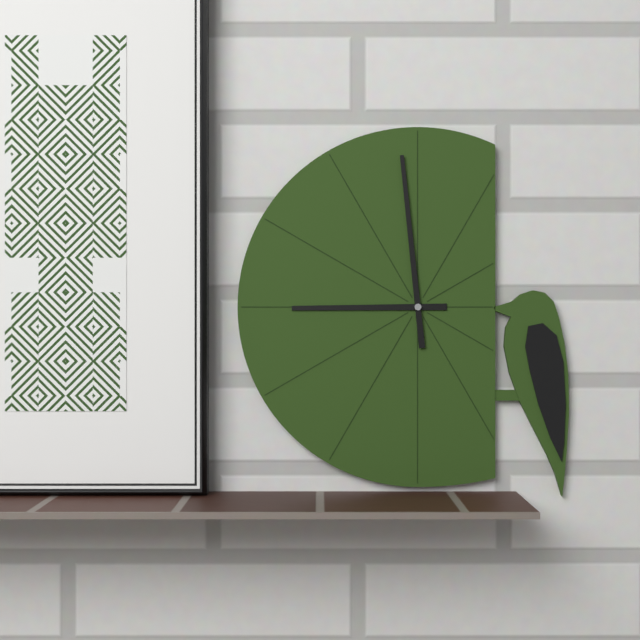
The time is **8:59**
